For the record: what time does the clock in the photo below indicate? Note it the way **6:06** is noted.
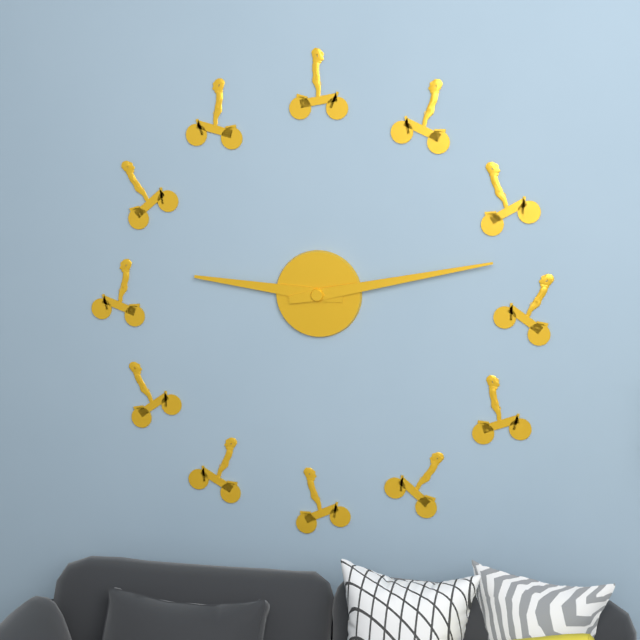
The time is **9:13**
